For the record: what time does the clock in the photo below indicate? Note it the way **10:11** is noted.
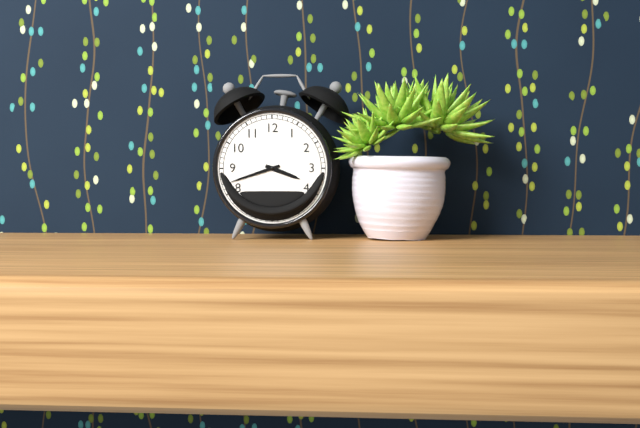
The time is **3:42**
